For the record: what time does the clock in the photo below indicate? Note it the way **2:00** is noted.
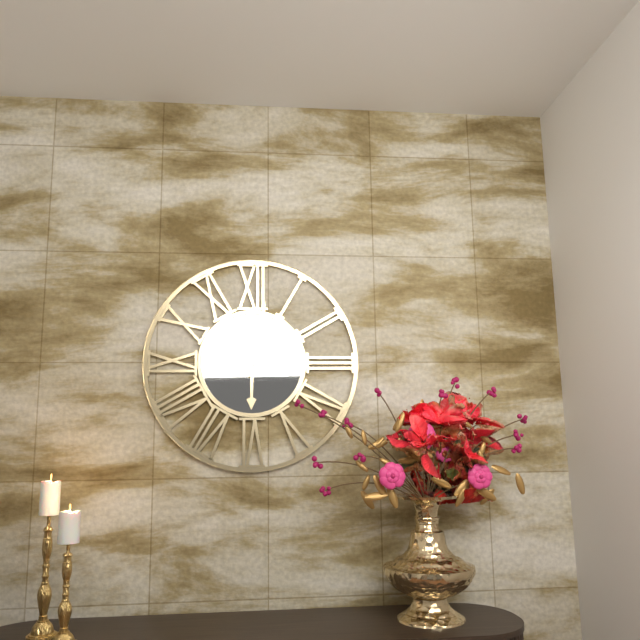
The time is **6:02**
